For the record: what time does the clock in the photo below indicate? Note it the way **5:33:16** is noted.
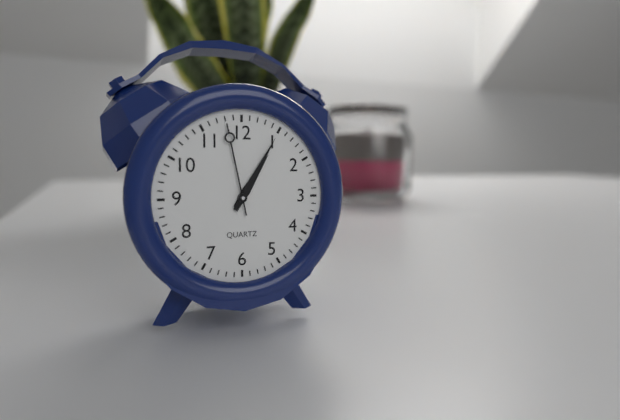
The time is **1:05:58**
